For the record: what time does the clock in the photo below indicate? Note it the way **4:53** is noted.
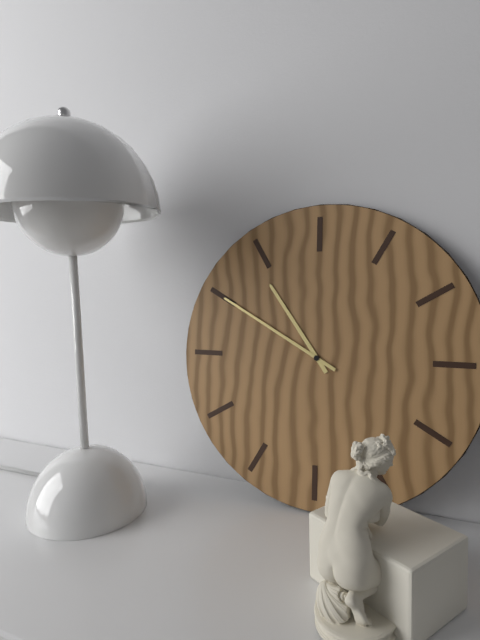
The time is **10:50**
